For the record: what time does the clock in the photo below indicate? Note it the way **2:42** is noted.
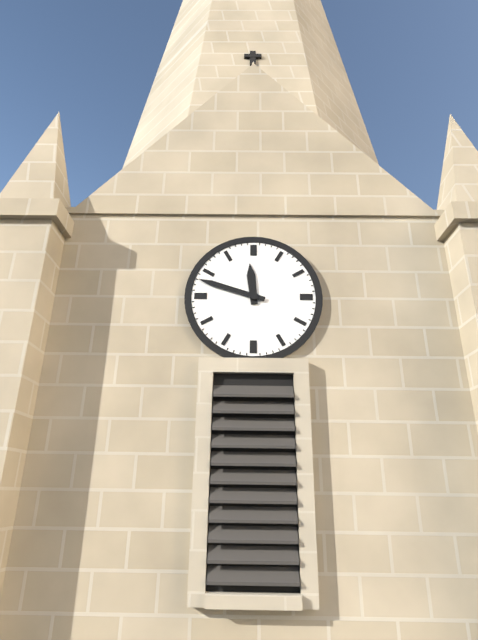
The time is **11:48**
